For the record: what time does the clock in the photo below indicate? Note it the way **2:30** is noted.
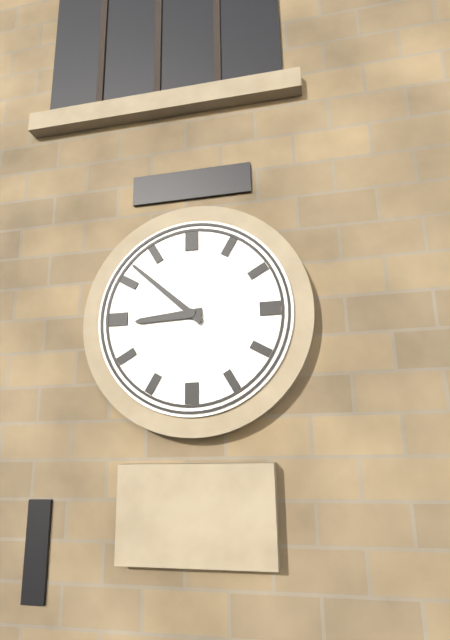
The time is **8:52**
